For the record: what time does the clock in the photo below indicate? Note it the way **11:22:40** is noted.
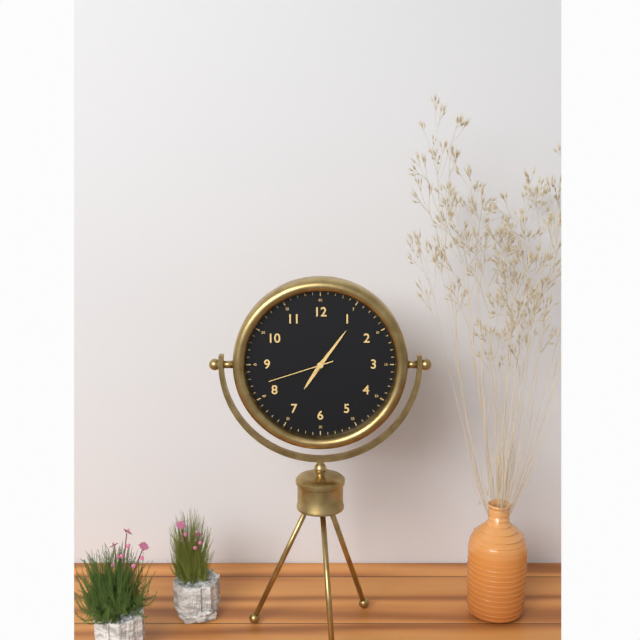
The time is **7:06:42**
